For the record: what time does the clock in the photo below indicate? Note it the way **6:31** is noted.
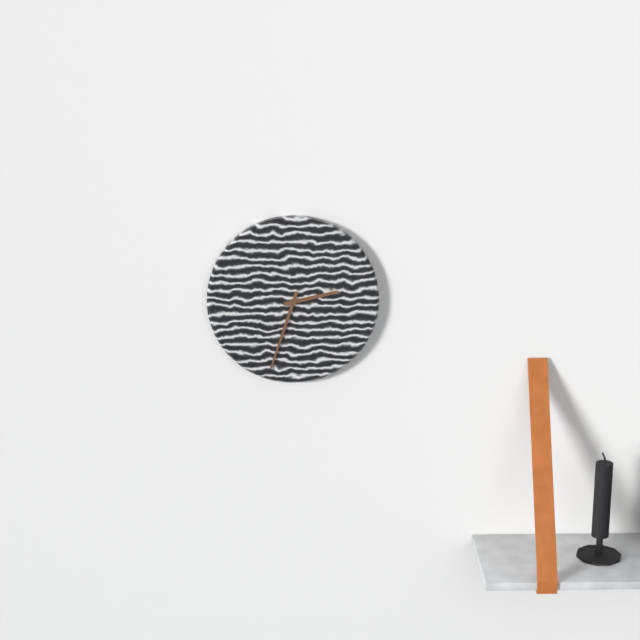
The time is **2:33**
